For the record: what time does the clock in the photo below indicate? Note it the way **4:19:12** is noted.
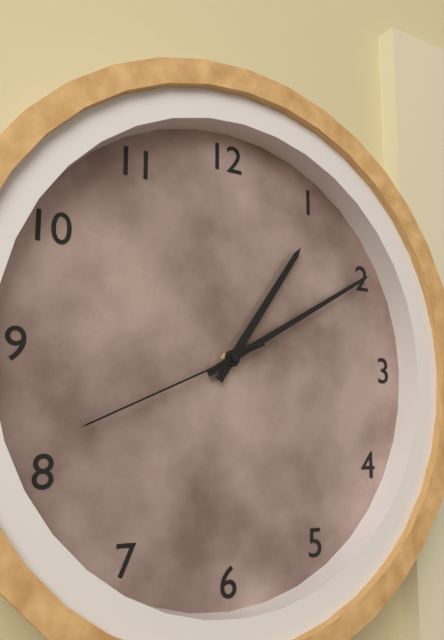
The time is **1:10:41**
